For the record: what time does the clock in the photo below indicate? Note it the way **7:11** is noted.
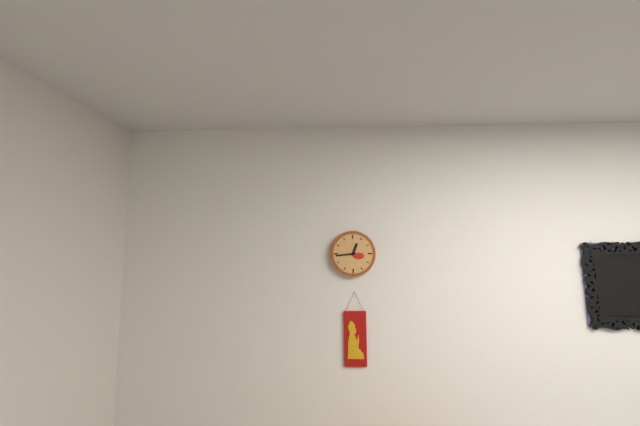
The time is **12:44**
